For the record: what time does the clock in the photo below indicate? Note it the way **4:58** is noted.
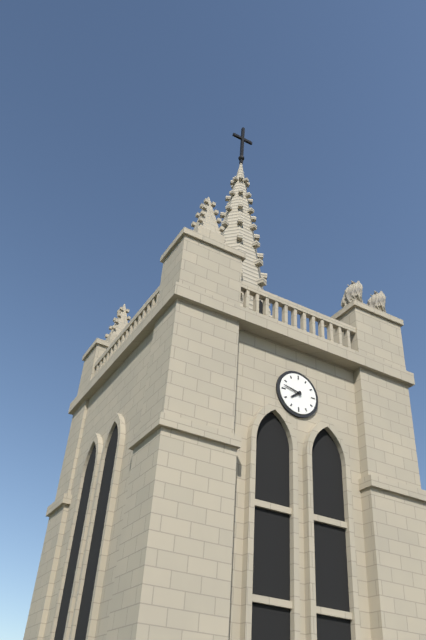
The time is **7:47**
